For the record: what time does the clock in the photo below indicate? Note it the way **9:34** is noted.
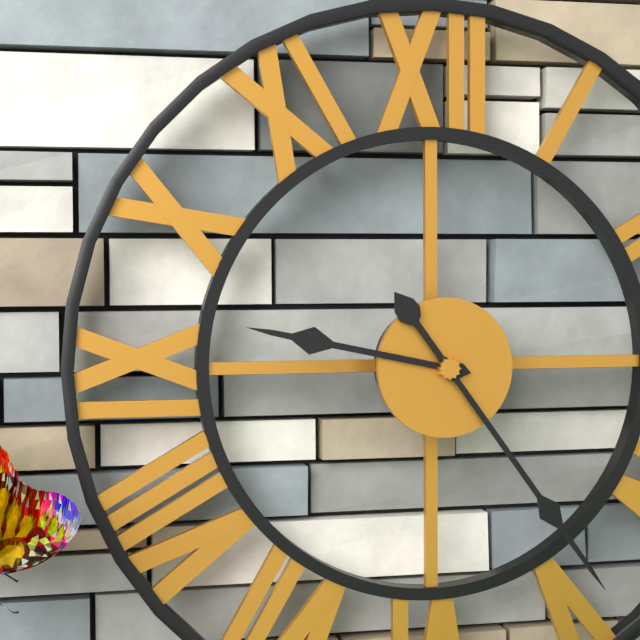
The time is **9:24**
